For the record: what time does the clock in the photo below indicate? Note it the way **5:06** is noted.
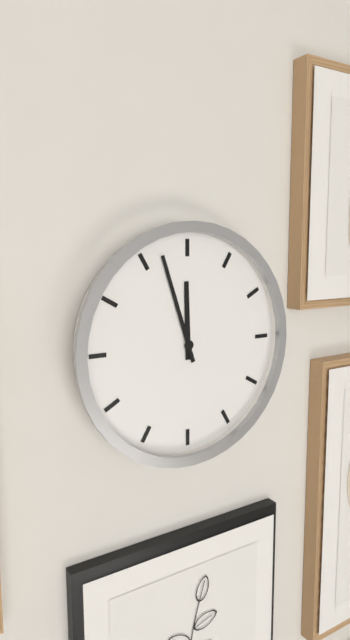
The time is **11:57**
